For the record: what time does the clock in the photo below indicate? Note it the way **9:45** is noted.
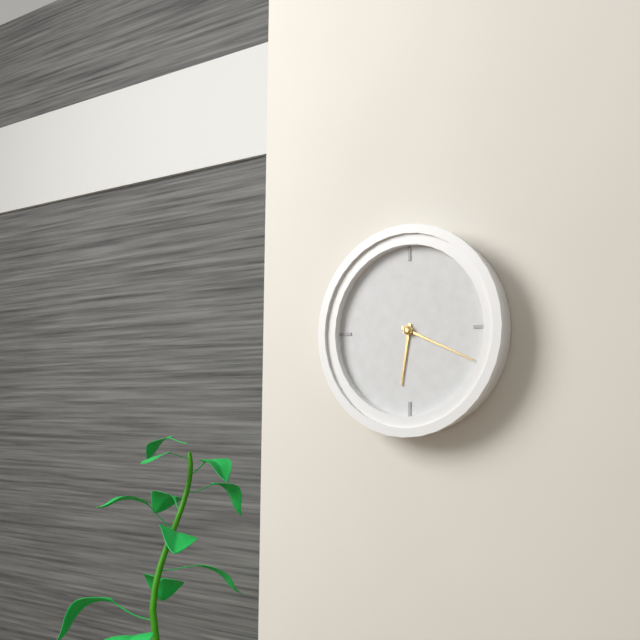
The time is **6:19**
